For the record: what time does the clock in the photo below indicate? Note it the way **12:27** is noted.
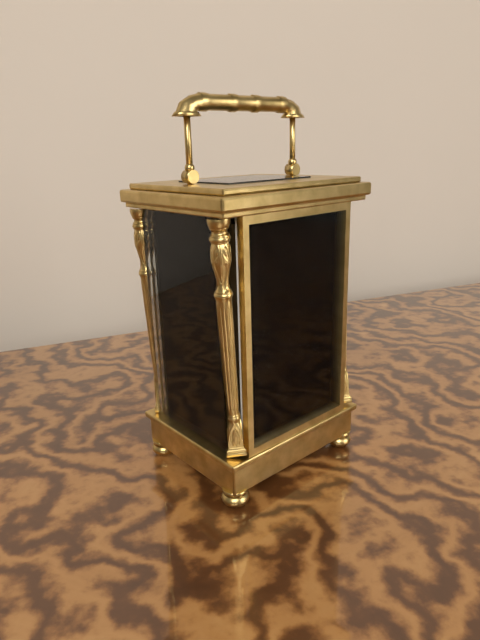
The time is **5:38**
